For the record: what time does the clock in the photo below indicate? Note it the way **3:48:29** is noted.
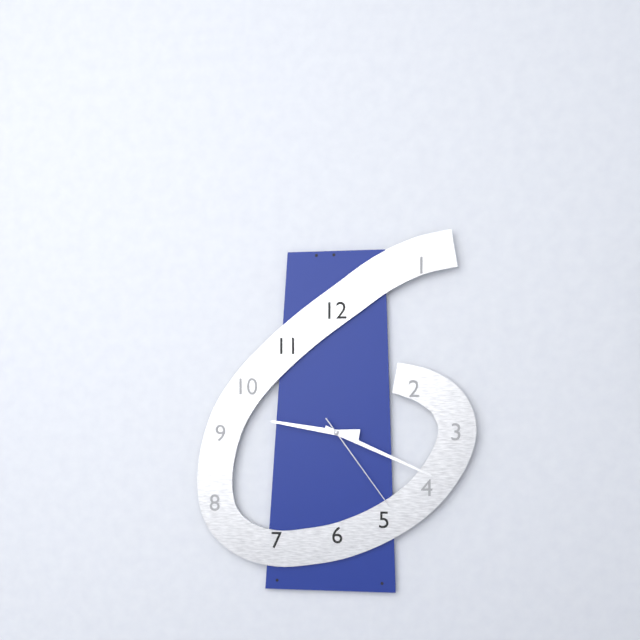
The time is **9:19:24**
